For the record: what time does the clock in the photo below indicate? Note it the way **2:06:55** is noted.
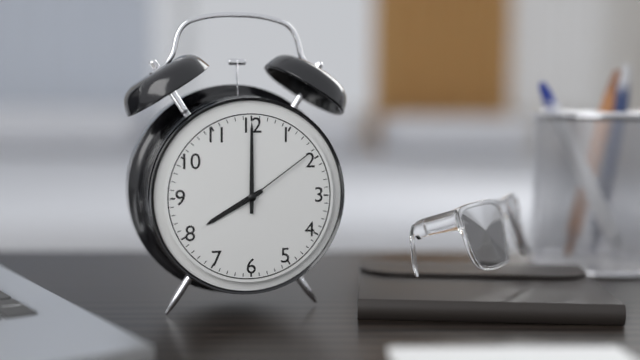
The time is **8:00:09**
